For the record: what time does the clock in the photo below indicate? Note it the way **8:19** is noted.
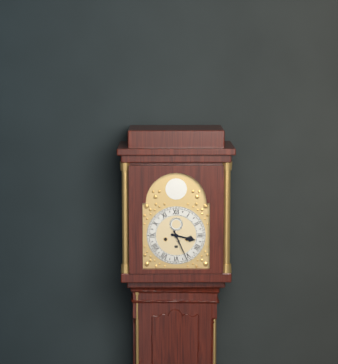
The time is **3:26**
